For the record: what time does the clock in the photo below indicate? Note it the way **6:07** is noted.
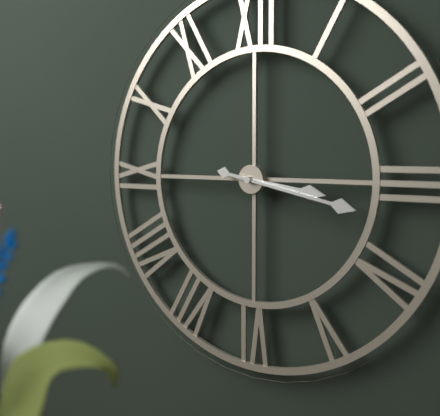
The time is **3:17**
